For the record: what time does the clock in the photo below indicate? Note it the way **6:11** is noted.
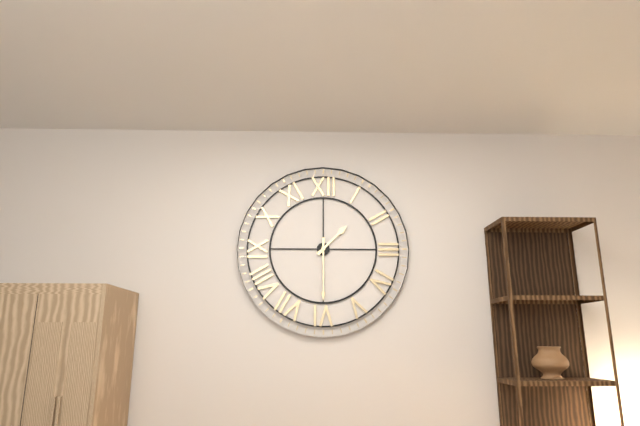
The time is **1:30**
